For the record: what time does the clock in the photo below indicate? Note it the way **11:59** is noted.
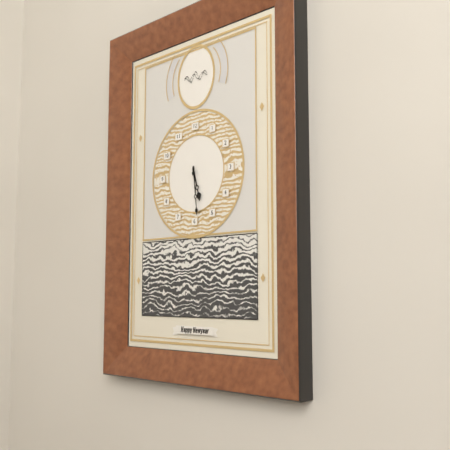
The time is **5:29**
